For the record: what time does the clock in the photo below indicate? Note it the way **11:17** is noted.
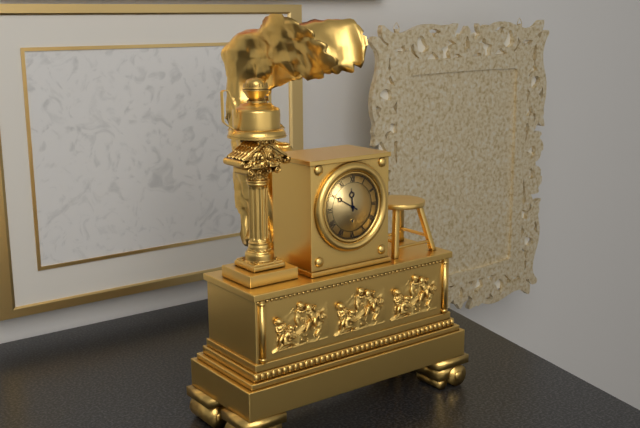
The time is **11:50**
